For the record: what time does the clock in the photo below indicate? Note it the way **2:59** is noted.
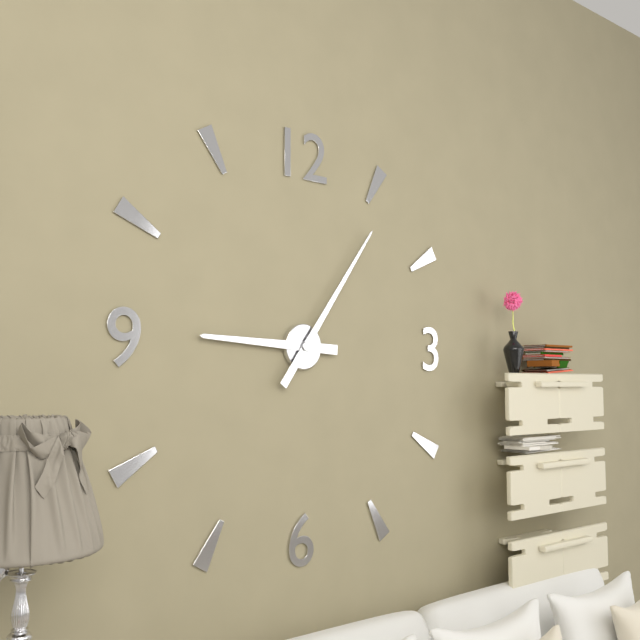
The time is **9:06**
